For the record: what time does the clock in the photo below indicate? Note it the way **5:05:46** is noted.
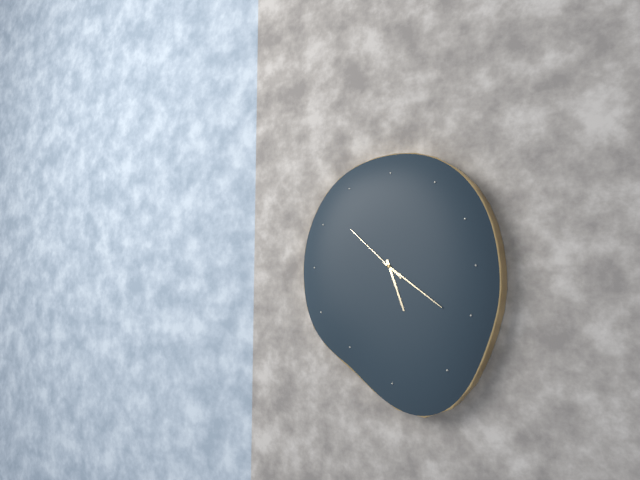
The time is **5:21:52**
